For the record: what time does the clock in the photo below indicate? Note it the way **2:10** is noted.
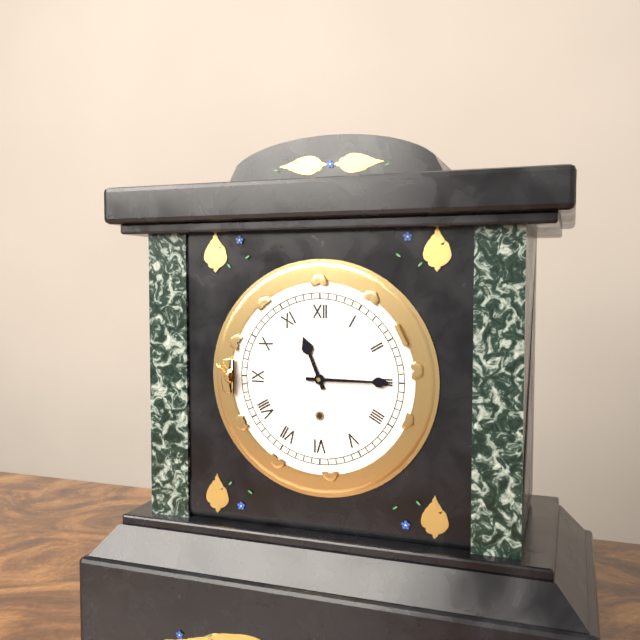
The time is **11:15**
